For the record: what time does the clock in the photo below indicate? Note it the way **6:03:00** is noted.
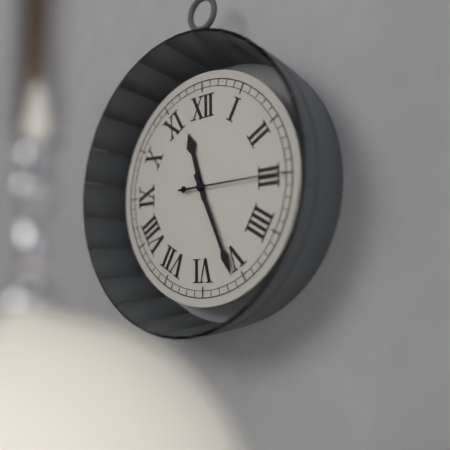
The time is **11:26:15**
